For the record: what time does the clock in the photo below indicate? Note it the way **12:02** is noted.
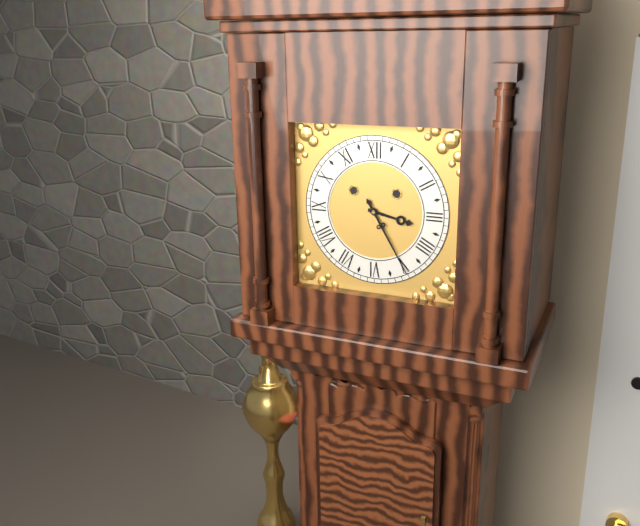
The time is **3:25**
